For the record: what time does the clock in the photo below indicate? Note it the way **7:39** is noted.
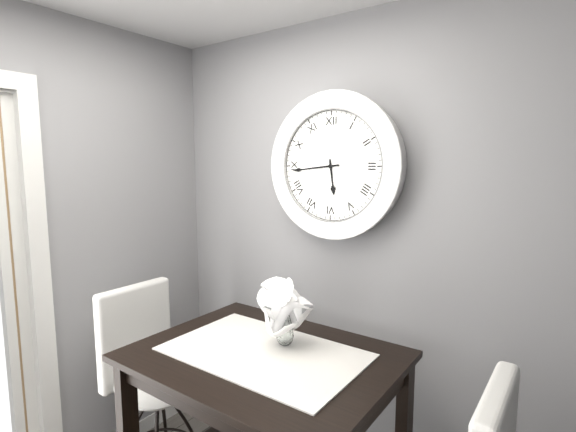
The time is **5:44**
